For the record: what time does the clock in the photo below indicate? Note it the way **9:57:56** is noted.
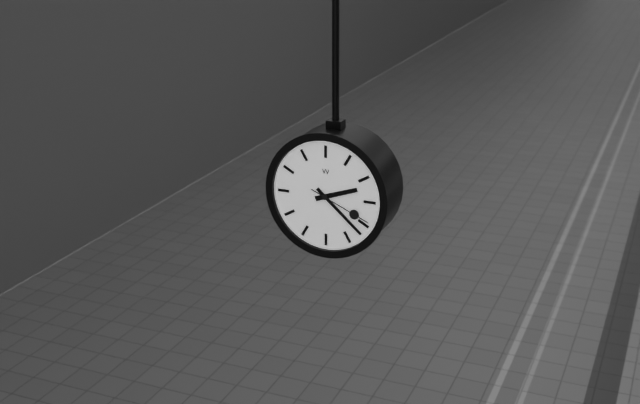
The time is **2:22:19**
